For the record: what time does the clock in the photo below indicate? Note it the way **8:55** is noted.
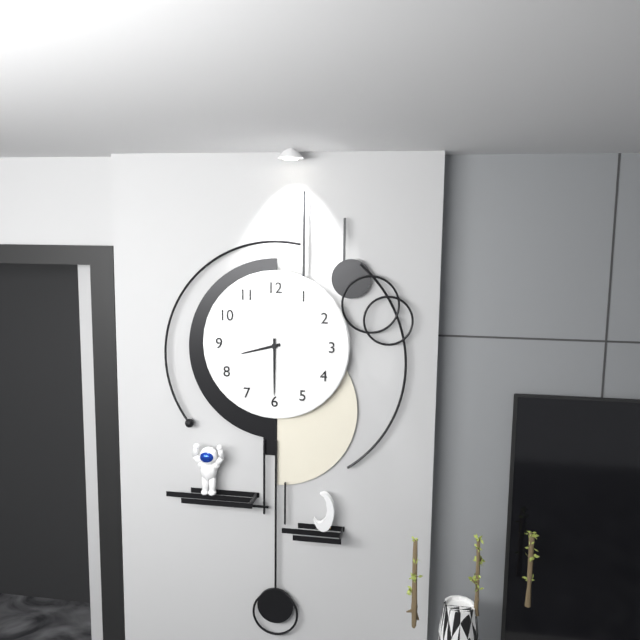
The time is **8:30**
